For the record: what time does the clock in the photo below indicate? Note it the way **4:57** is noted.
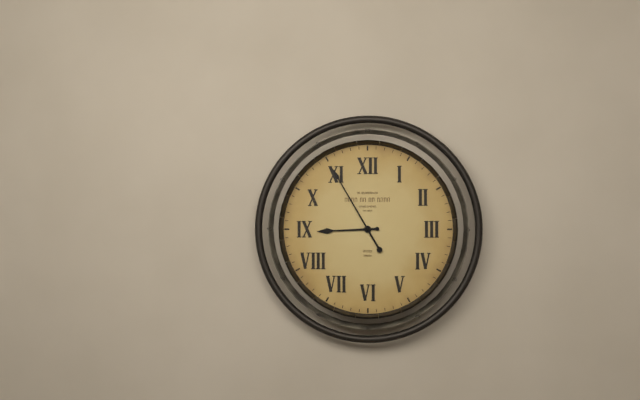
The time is **8:55**
